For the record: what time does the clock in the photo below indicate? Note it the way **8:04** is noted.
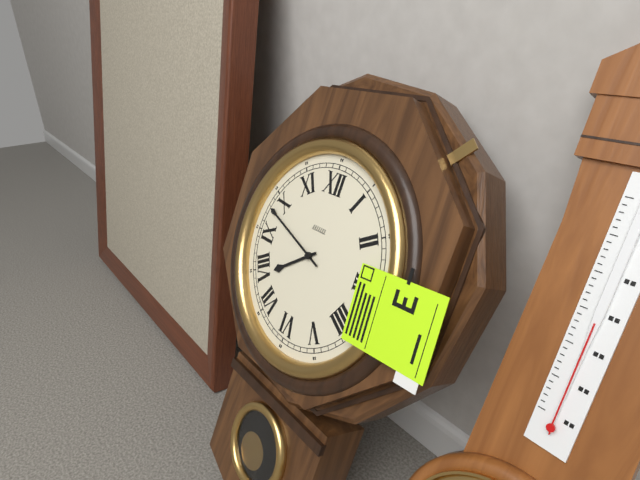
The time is **7:48**
